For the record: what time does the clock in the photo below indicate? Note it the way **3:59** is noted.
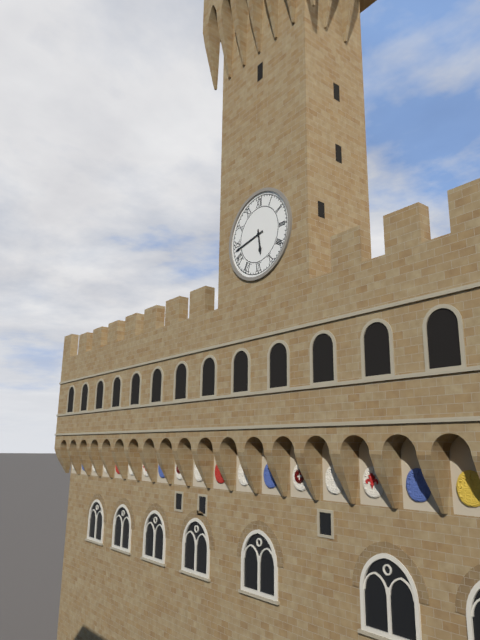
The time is **5:43**
